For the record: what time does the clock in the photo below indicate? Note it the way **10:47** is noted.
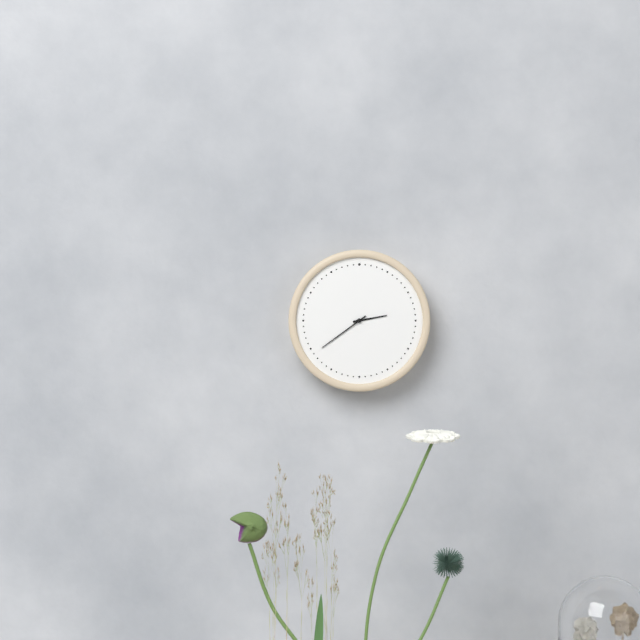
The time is **2:39**
